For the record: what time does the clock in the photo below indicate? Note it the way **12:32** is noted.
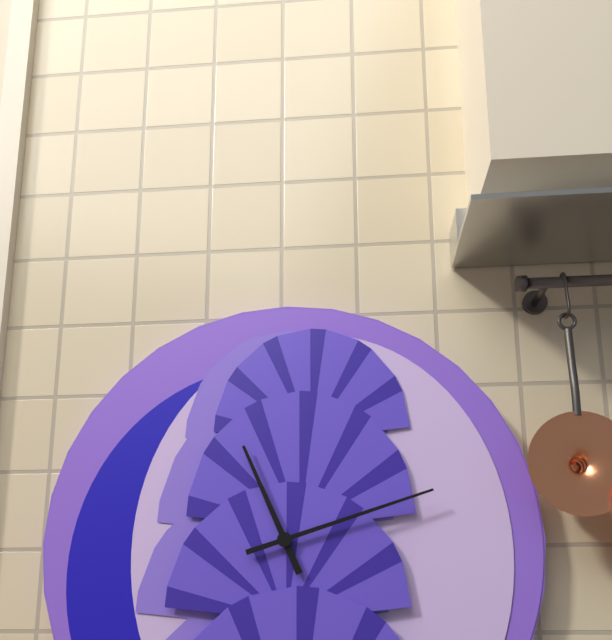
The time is **11:12**
